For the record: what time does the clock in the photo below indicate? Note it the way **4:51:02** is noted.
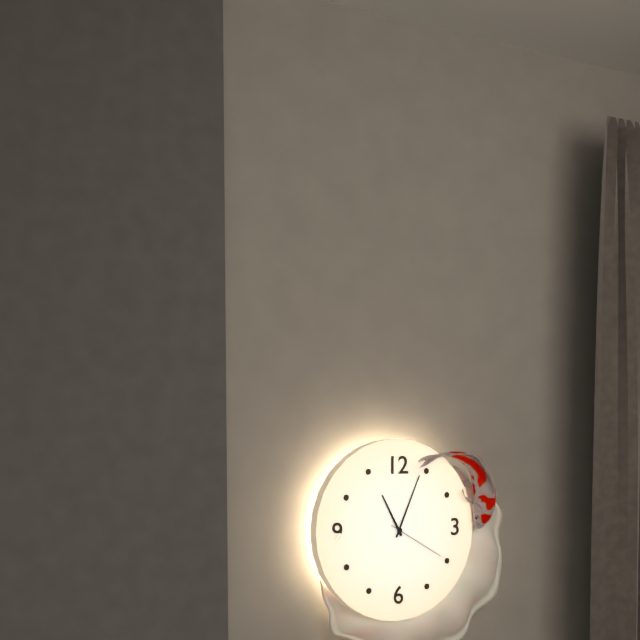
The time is **11:04:20**
